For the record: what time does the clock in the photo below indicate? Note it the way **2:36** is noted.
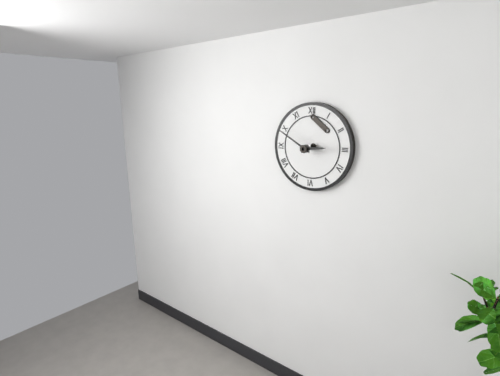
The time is **2:50**
